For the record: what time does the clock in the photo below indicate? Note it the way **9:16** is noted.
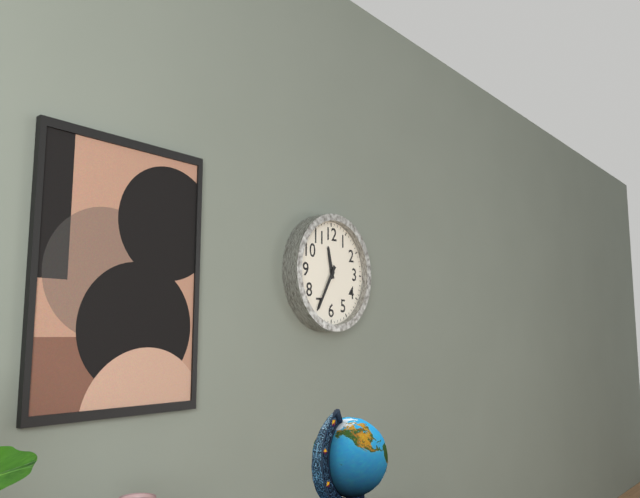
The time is **11:35**
